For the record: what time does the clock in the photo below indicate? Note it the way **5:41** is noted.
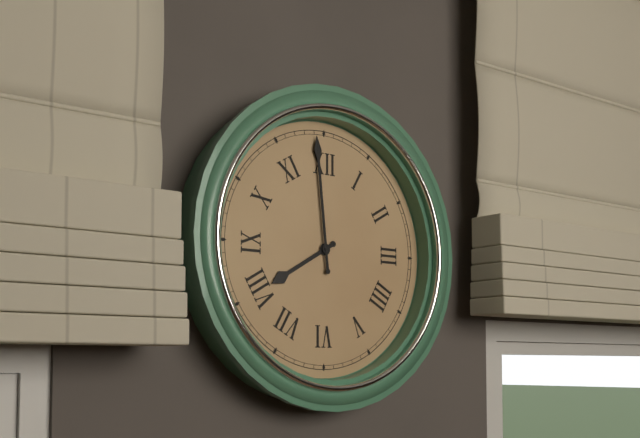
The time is **7:59**
